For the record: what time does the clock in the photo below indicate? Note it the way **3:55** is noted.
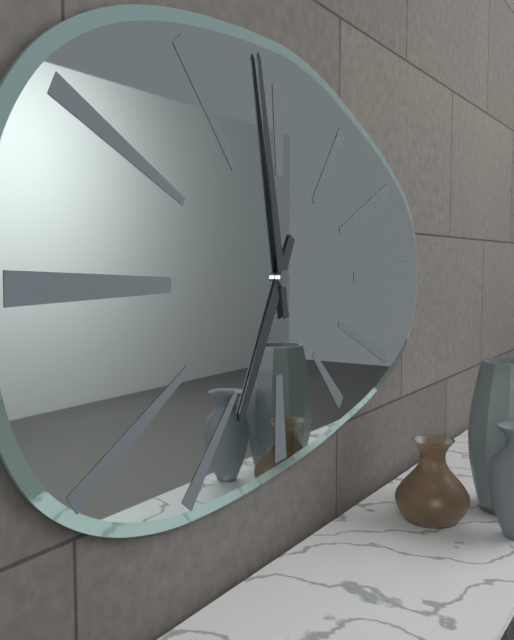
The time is **6:58**
